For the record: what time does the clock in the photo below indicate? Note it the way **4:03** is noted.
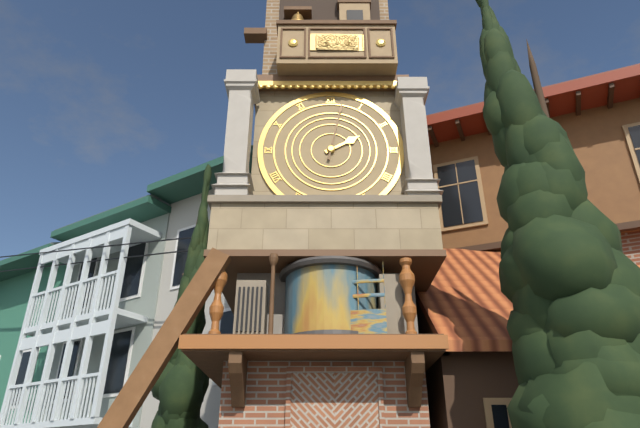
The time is **2:02**
